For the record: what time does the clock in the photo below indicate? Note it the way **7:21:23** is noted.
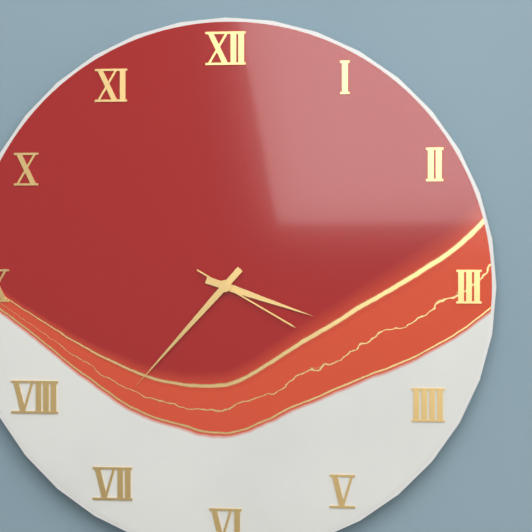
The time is **3:37:20**
